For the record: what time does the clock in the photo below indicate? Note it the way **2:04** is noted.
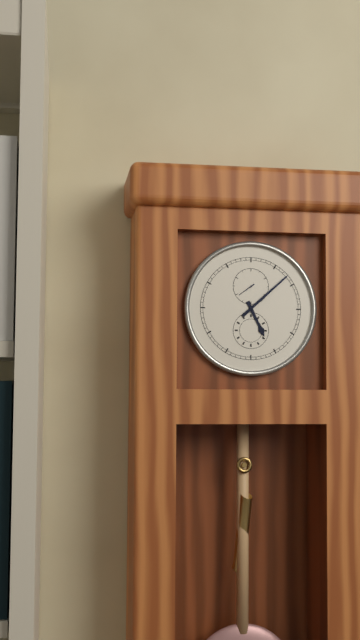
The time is **5:08**
